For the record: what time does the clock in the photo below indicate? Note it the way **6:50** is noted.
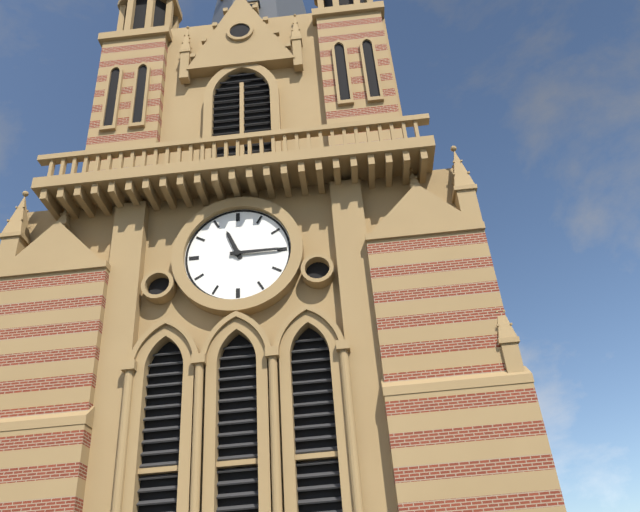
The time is **11:15**
